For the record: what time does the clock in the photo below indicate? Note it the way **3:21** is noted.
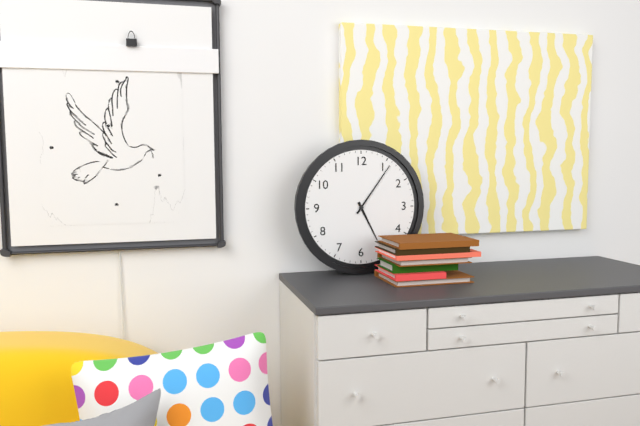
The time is **5:06**
